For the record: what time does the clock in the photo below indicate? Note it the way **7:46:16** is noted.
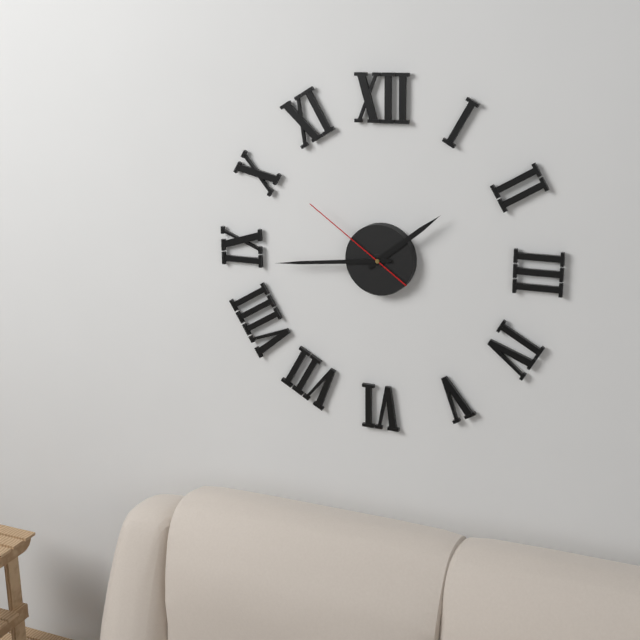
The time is **1:44:51**
